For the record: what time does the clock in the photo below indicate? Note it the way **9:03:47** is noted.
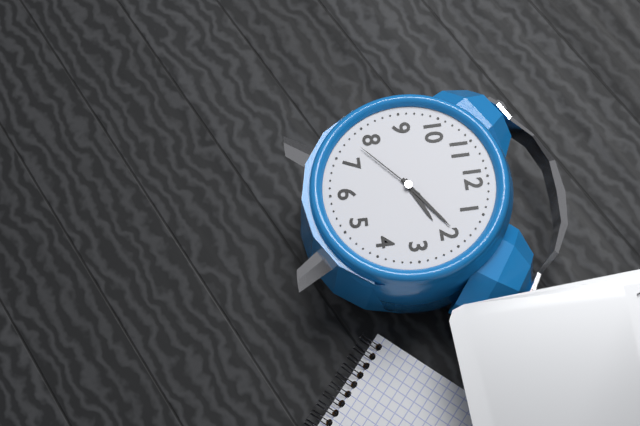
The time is **2:09:38**
